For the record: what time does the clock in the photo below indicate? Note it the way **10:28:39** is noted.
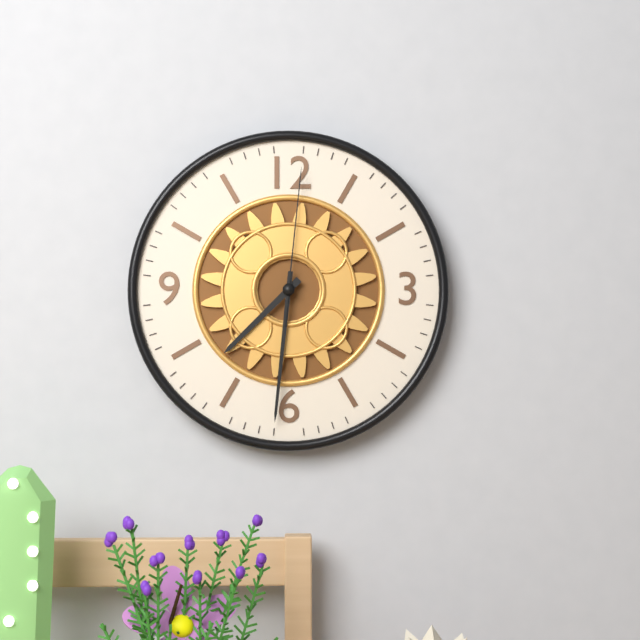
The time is **7:31:01**
